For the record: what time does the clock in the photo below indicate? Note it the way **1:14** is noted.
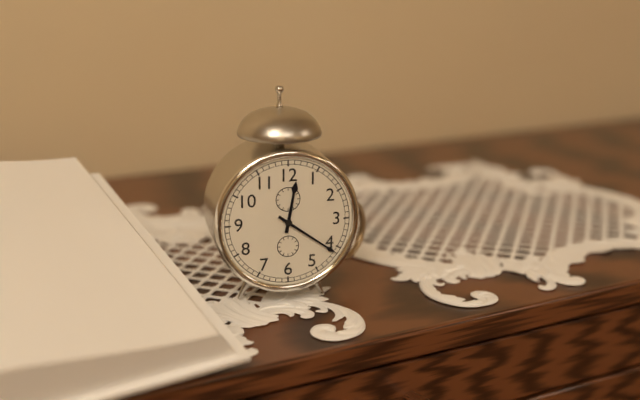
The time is **12:21**
